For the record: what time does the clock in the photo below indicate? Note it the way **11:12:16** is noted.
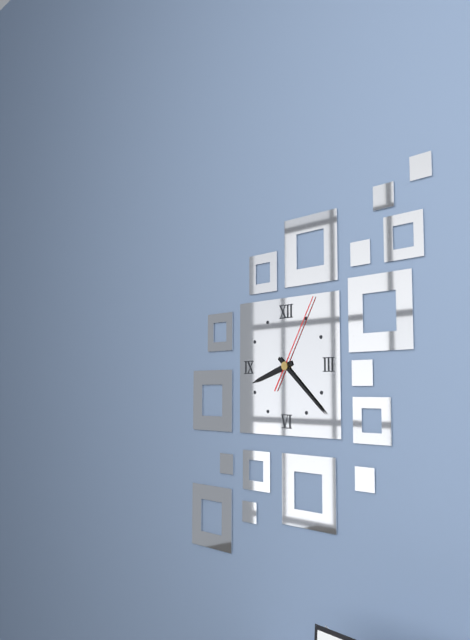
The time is **8:22:05**
